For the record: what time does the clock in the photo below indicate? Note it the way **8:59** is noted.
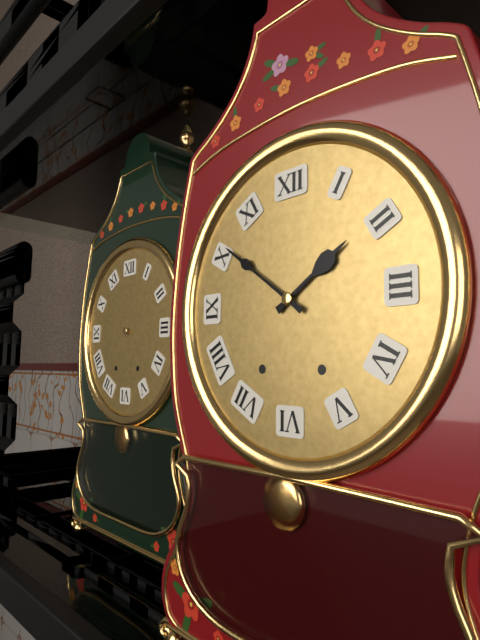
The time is **1:51**
